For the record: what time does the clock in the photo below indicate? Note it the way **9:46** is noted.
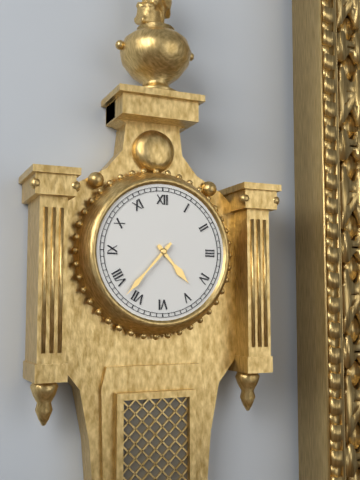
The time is **4:37**
